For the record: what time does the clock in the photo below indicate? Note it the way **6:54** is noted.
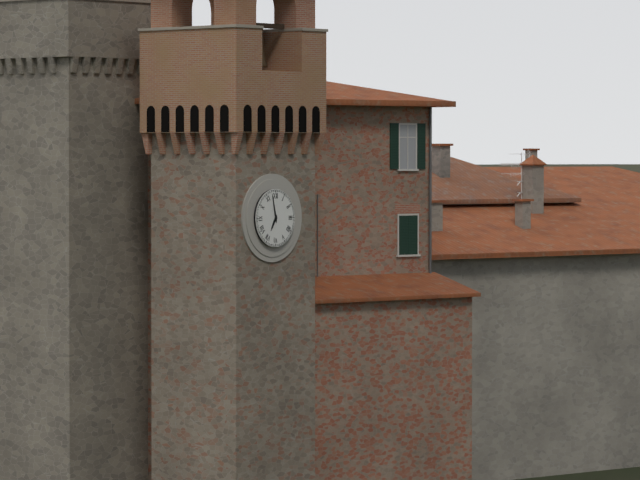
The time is **6:58**
